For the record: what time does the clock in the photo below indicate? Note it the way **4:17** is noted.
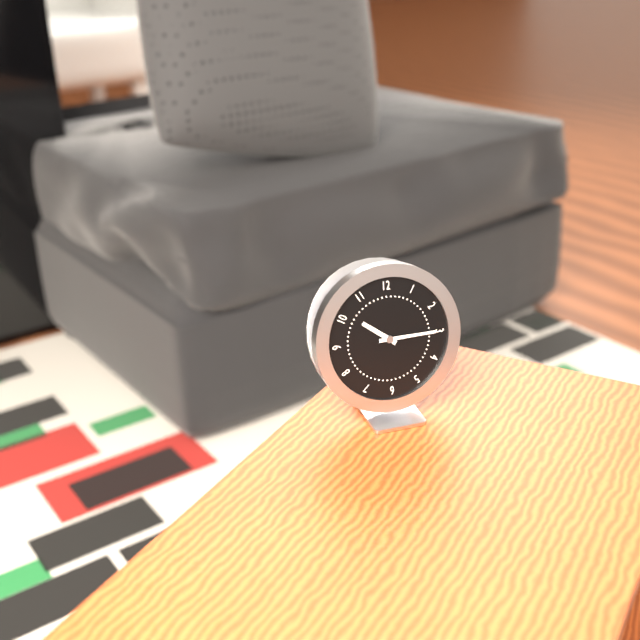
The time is **10:15**
